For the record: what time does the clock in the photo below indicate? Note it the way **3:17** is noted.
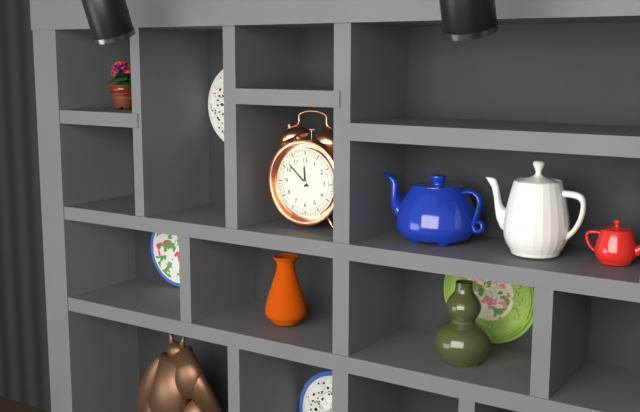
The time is **11:52**
